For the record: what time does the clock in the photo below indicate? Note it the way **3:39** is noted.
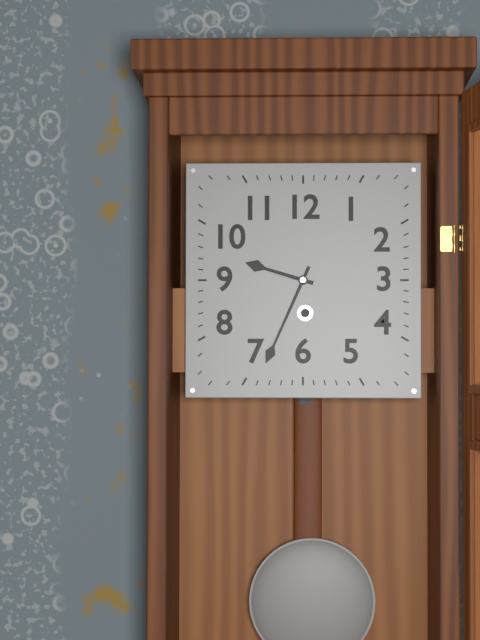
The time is **9:34**
